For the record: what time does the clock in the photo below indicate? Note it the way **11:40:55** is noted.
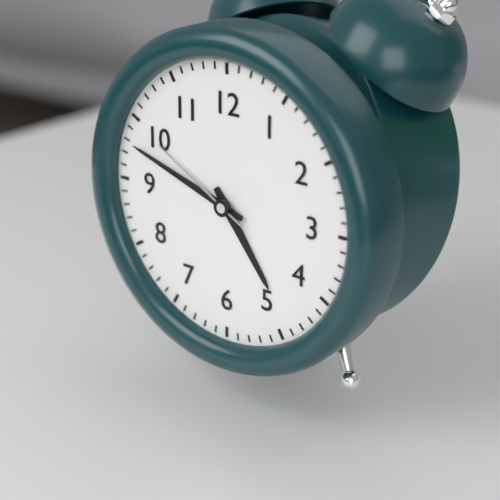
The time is **4:48:50**
